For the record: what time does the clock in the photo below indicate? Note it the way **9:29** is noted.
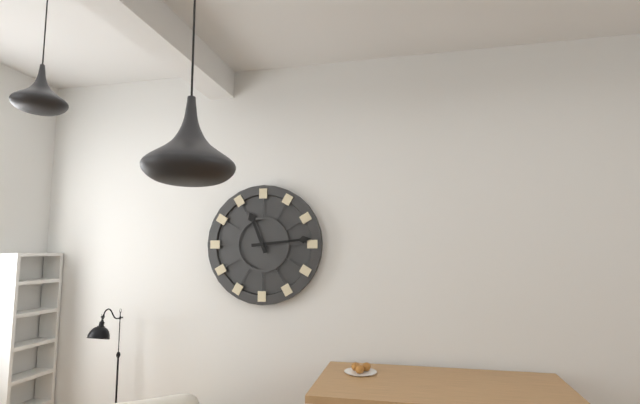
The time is **11:14**
